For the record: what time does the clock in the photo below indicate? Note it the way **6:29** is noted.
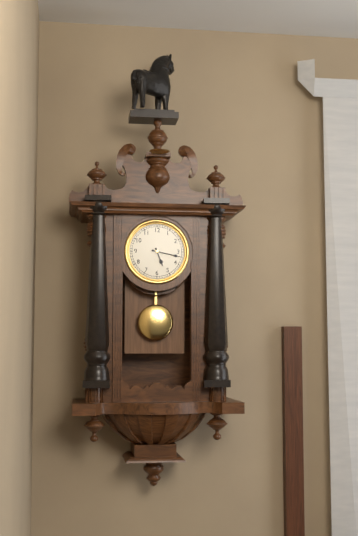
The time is **5:17**
